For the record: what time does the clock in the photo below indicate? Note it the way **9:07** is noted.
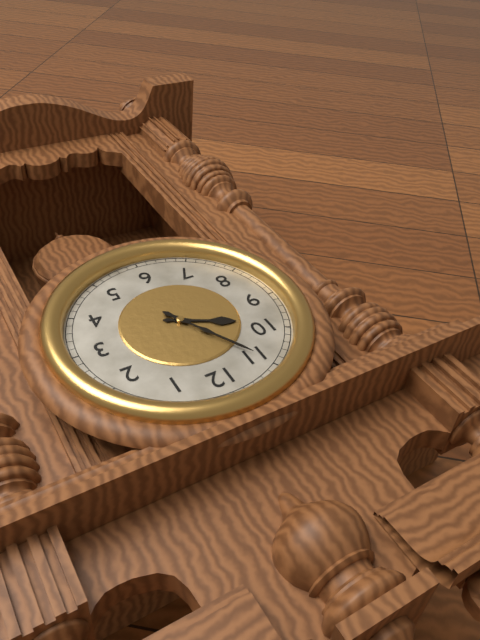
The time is **9:55**
